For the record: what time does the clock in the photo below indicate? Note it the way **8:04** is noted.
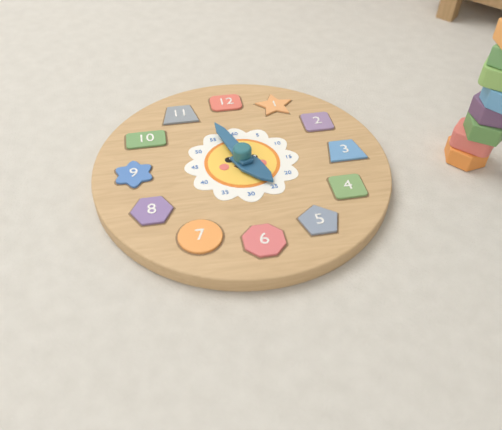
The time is **4:57**
